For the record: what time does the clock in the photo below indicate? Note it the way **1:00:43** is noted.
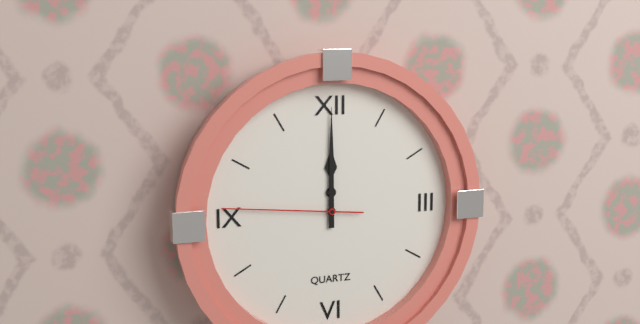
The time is **12:00:46**
